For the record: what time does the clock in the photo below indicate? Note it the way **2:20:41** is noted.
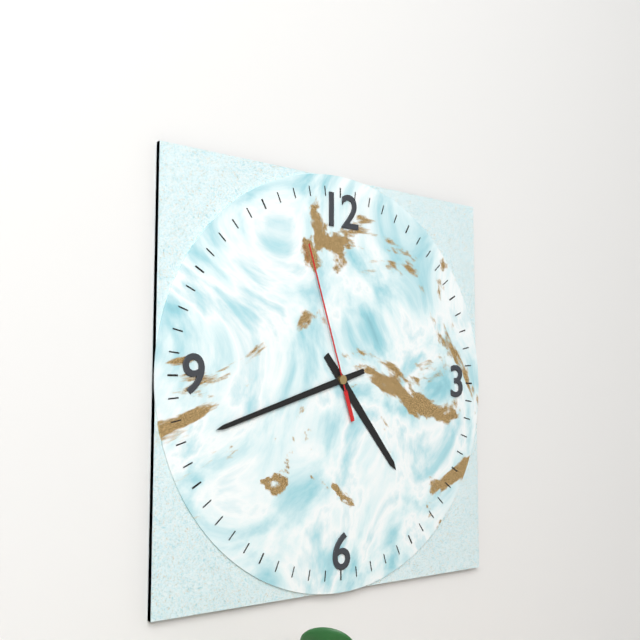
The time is **4:42:57**
